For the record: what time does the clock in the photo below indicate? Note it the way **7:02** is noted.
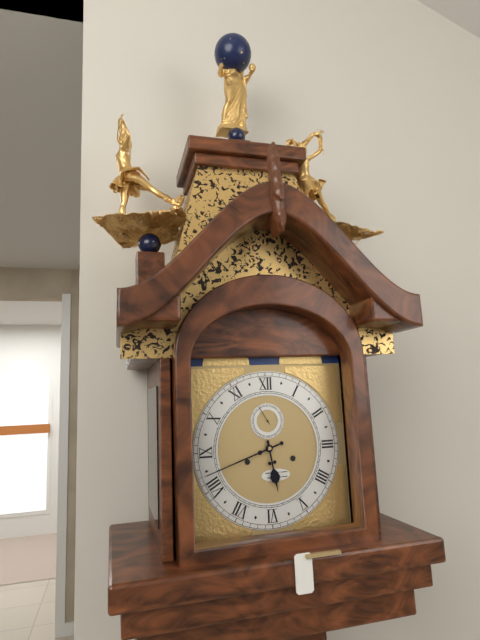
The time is **5:42**
